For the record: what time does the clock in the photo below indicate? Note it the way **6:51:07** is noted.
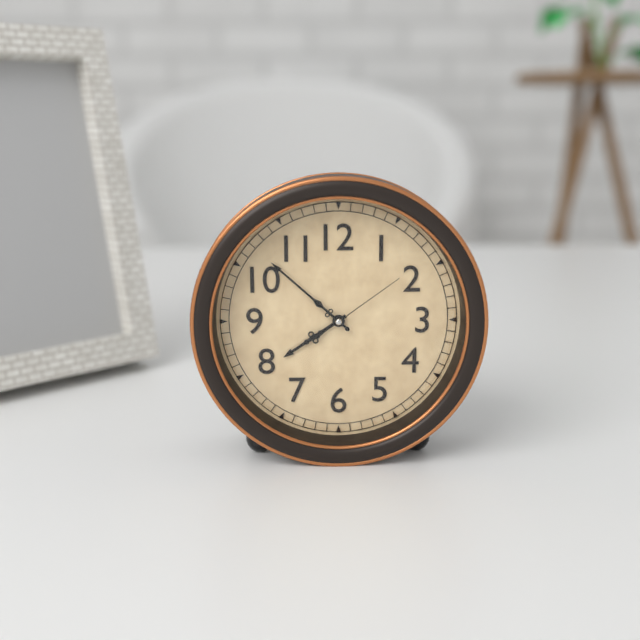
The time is **7:52:09**
